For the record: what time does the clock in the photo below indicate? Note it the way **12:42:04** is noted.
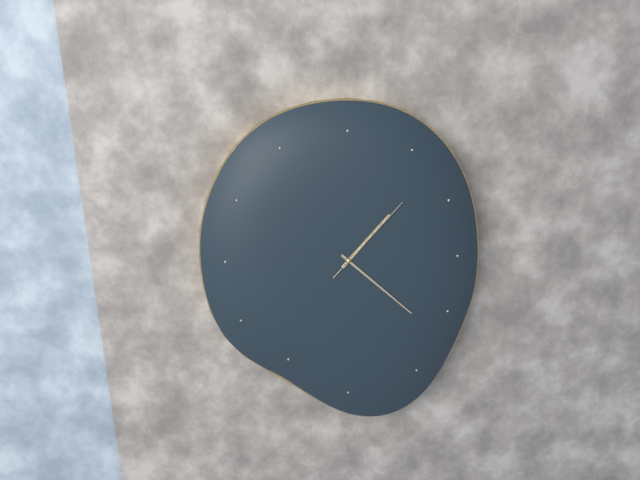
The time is **1:22:07**
